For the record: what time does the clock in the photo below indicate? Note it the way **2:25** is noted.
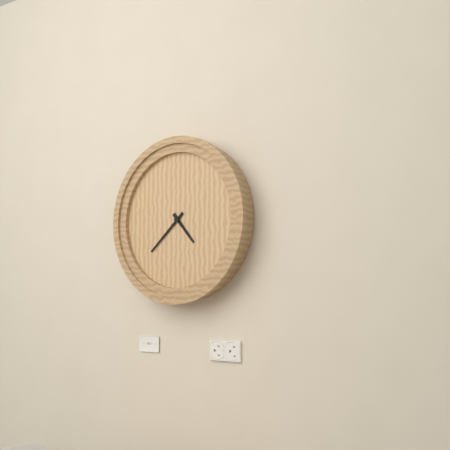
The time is **4:38**
